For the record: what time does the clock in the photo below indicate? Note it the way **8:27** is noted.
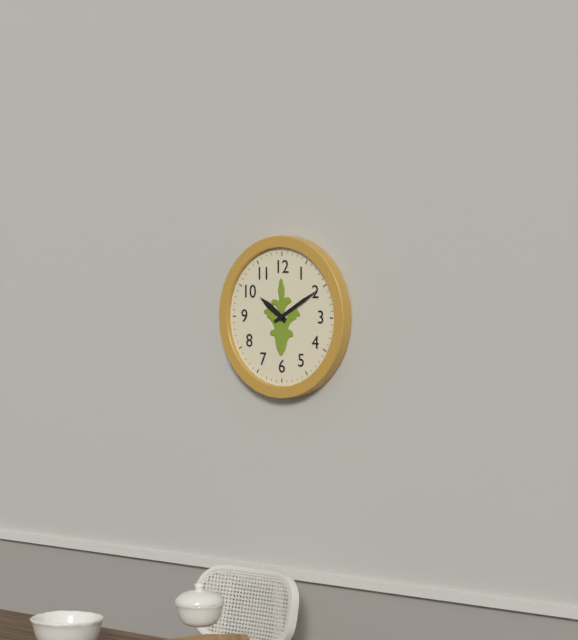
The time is **10:10**
